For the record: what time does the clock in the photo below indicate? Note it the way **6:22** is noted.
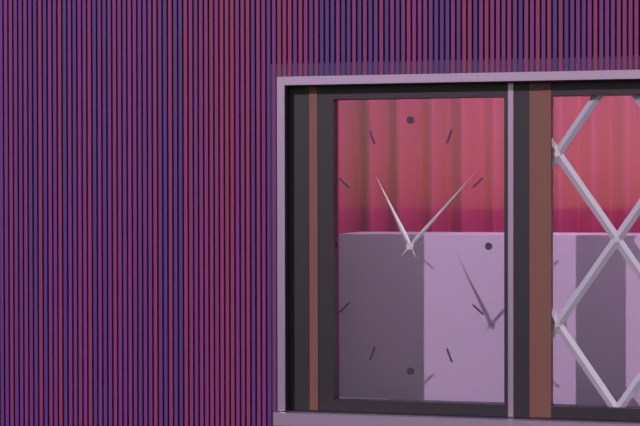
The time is **11:07**
